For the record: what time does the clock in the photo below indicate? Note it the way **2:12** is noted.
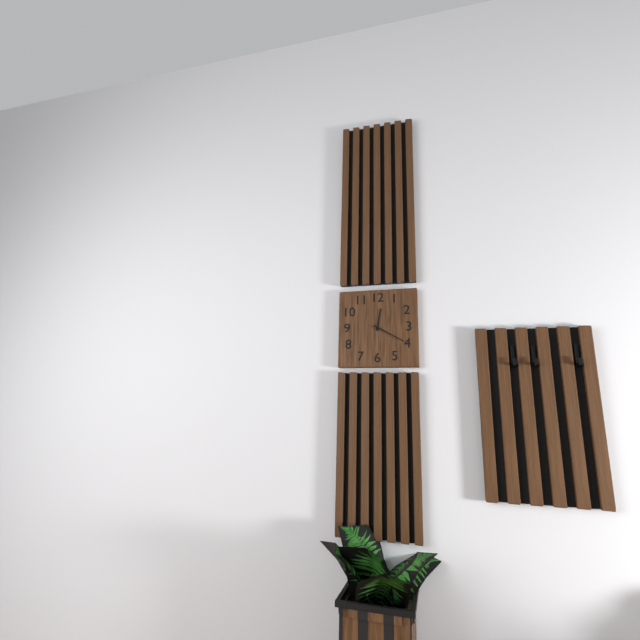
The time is **12:20**
